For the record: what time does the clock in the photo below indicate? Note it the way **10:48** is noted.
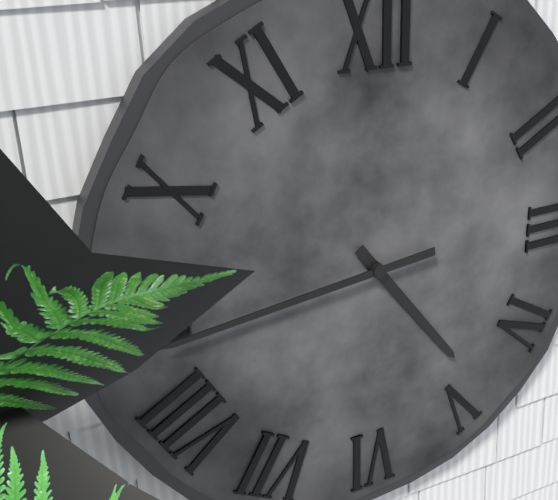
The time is **4:44**
